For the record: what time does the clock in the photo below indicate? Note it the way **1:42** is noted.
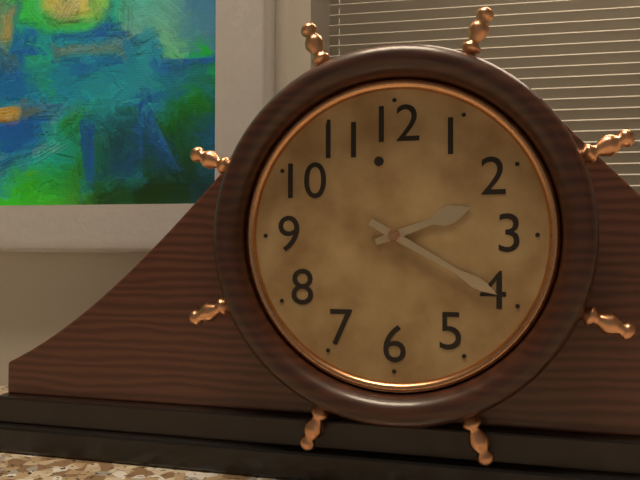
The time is **2:20**
